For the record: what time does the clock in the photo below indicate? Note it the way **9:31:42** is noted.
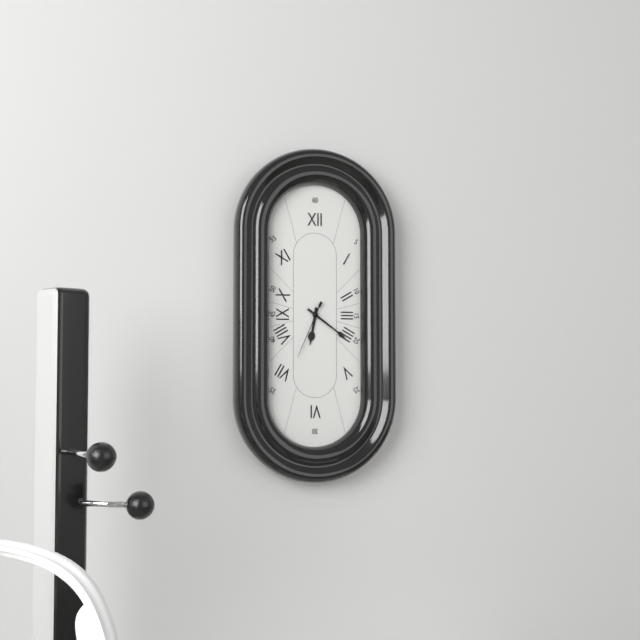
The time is **6:21:34**
